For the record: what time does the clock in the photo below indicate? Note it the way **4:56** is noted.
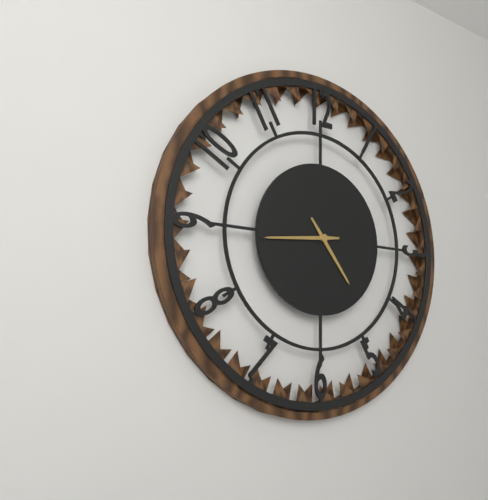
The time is **4:44**
